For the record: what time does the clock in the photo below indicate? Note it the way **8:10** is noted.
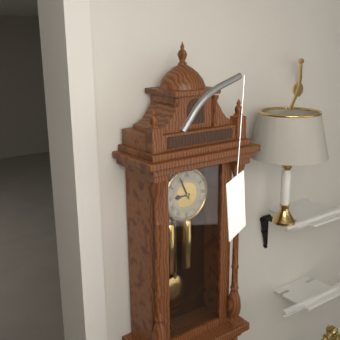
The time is **8:56**
